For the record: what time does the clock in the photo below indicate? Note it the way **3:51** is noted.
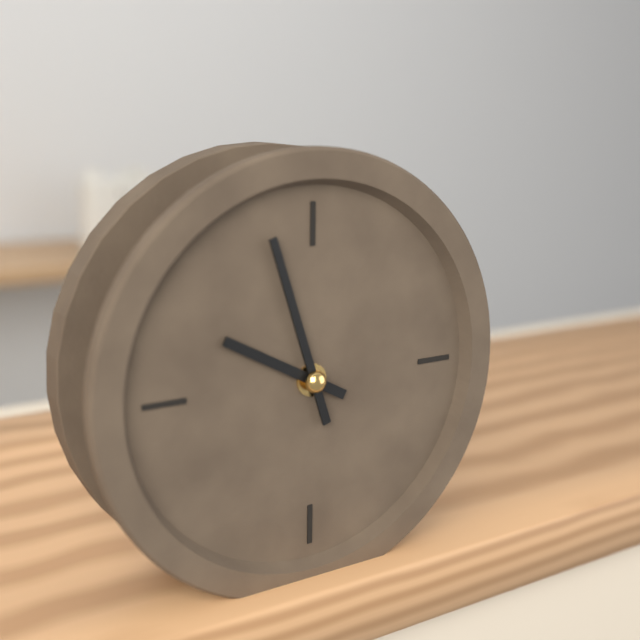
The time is **9:57**
